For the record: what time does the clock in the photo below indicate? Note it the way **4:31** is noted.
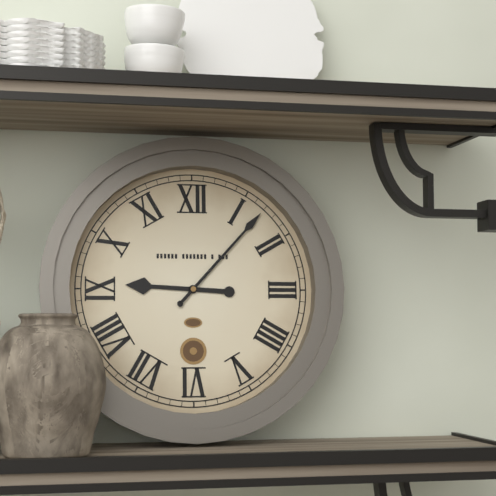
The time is **9:07**
